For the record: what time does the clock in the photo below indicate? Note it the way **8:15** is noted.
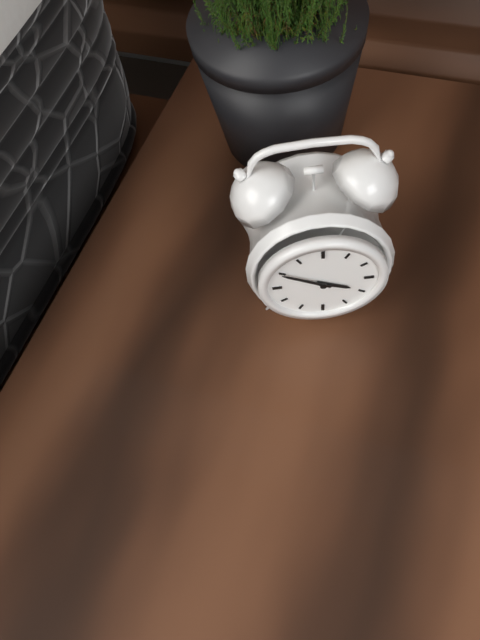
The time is **3:50**
